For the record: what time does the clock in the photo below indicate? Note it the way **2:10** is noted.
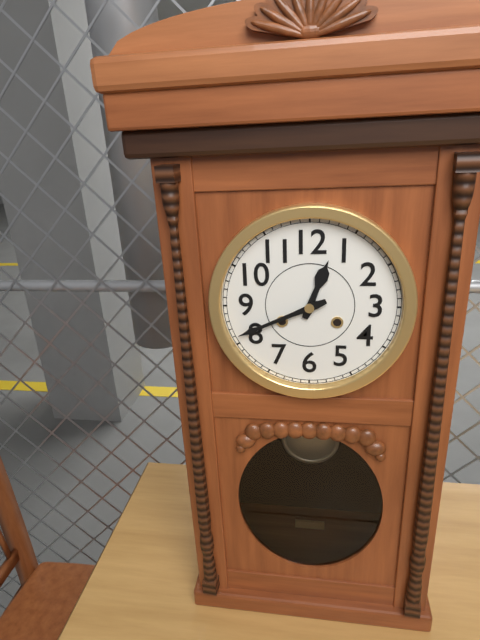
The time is **12:41**
